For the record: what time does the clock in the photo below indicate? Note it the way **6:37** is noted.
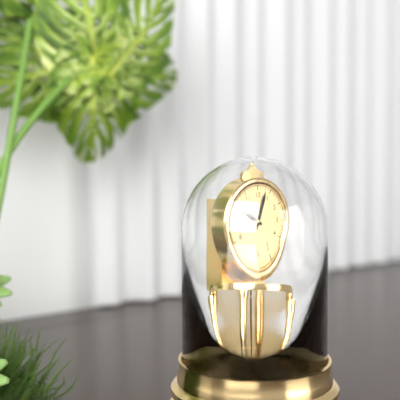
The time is **10:03**
